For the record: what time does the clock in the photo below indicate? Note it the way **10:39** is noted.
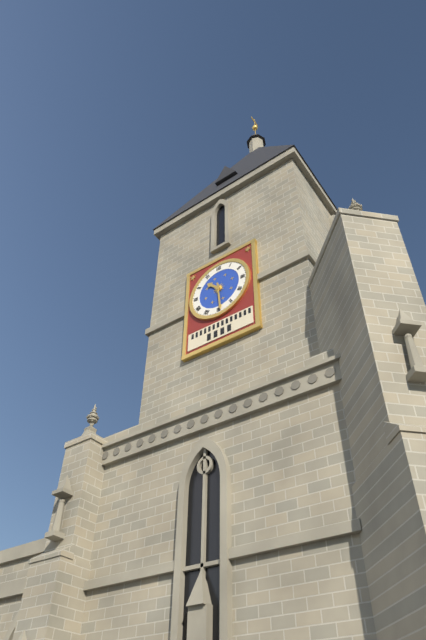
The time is **10:29**
